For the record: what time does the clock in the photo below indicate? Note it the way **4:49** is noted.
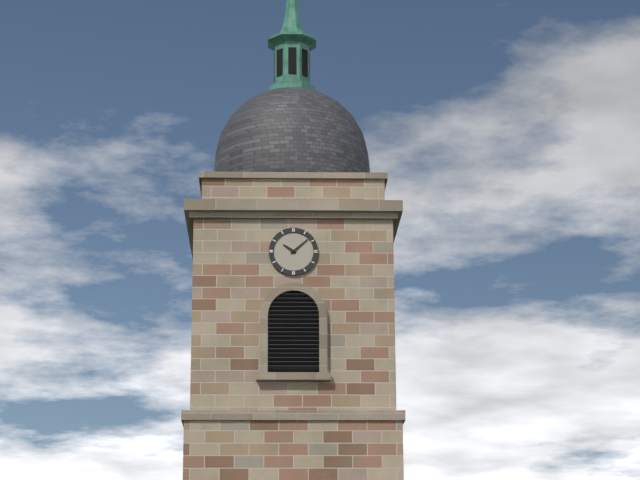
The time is **10:08**
